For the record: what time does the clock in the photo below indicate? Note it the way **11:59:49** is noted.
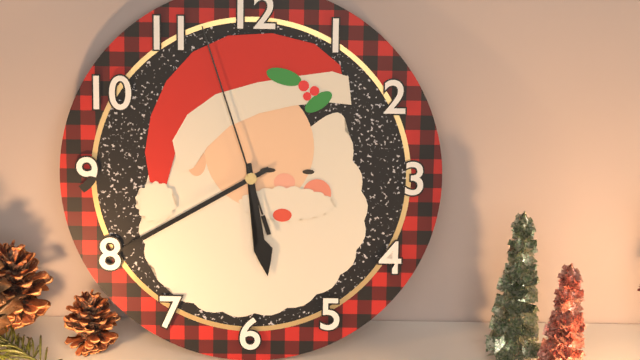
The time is **5:40:57**
